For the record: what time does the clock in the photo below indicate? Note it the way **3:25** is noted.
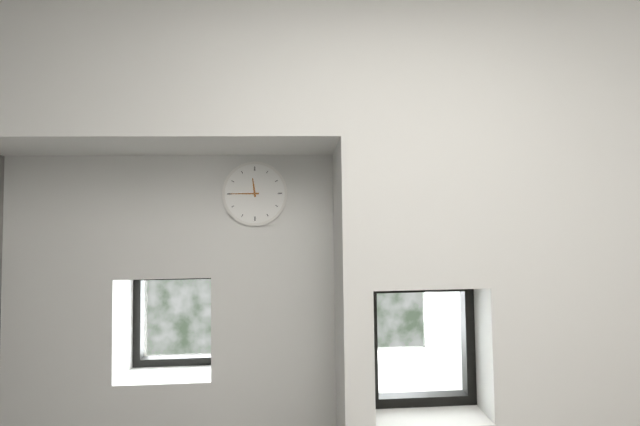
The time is **11:45**
